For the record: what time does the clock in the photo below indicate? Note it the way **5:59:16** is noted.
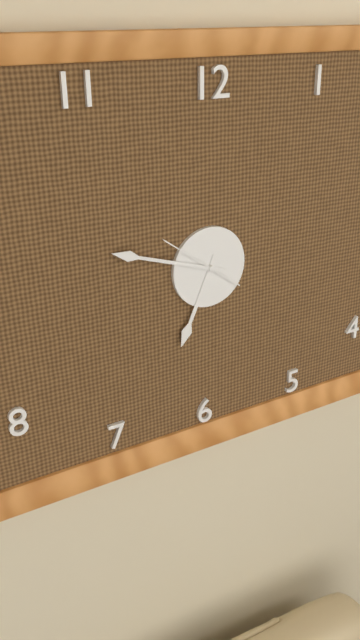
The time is **6:48:51**
